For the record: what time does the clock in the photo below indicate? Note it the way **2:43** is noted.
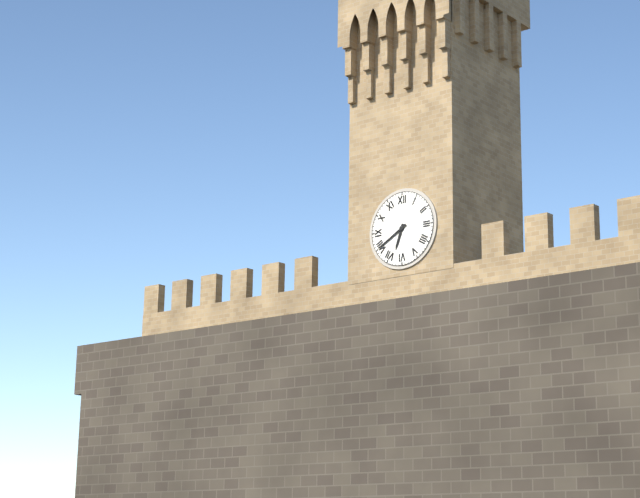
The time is **6:40**
